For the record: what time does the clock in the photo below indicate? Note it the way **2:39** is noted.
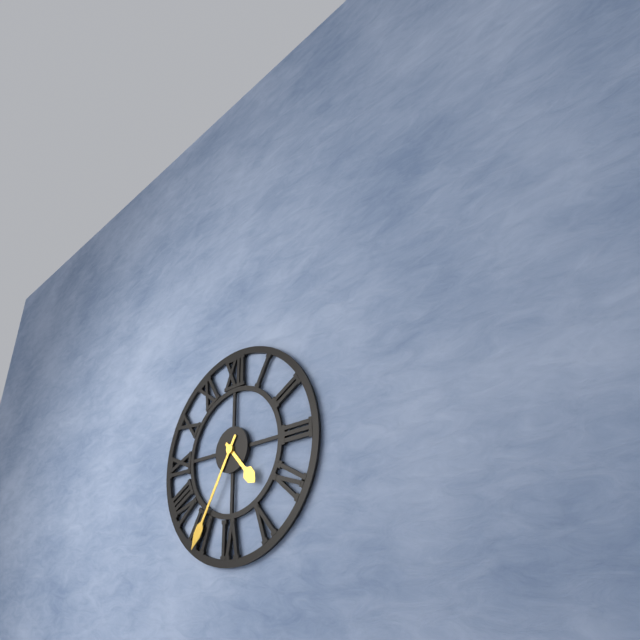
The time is **4:35**
